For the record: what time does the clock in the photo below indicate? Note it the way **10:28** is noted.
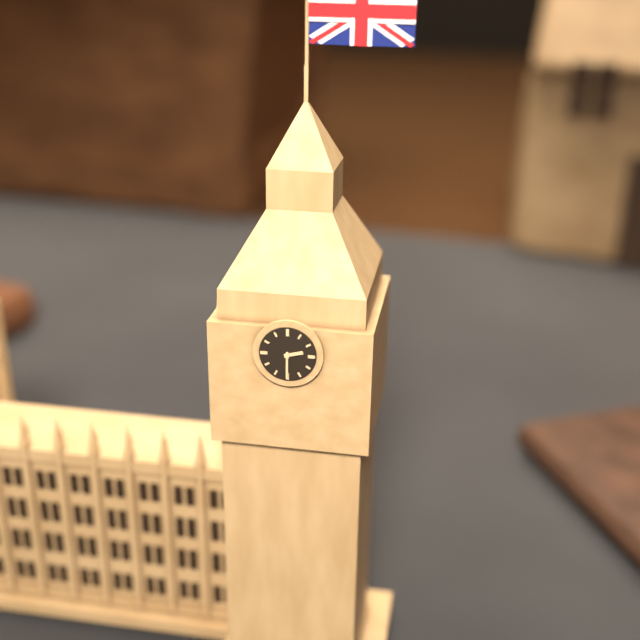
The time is **2:30**
